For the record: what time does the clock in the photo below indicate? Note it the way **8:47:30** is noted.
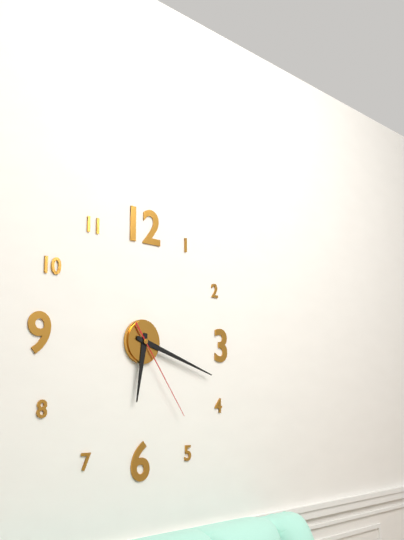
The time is **6:18:24**
